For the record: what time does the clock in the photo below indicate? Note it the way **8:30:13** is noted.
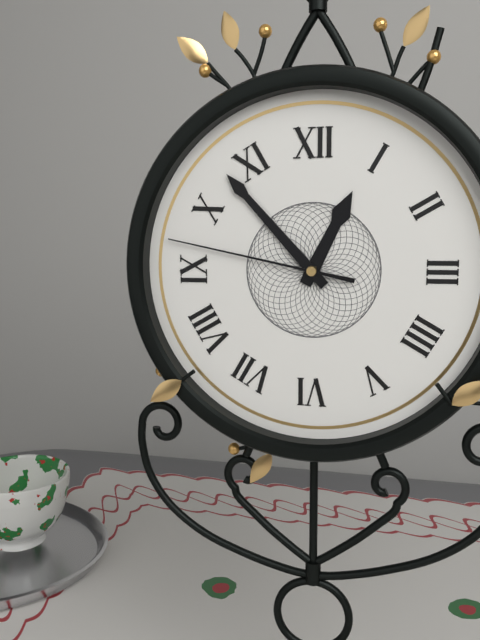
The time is **12:53:47**
